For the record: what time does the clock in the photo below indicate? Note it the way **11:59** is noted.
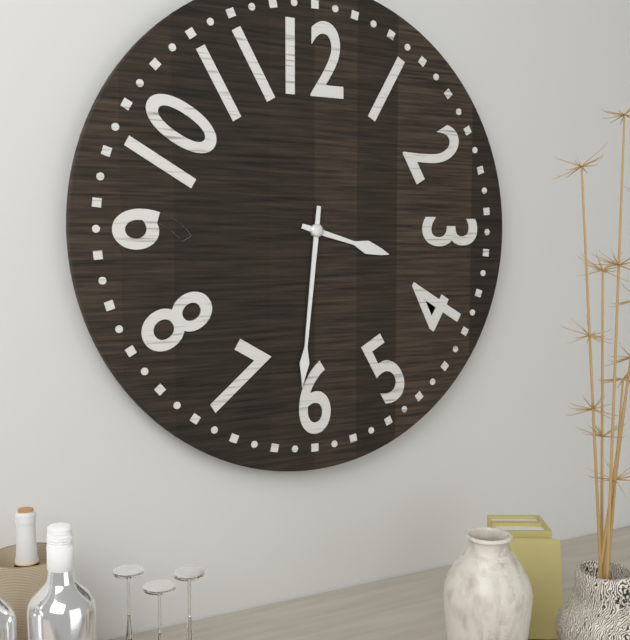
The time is **3:31**
